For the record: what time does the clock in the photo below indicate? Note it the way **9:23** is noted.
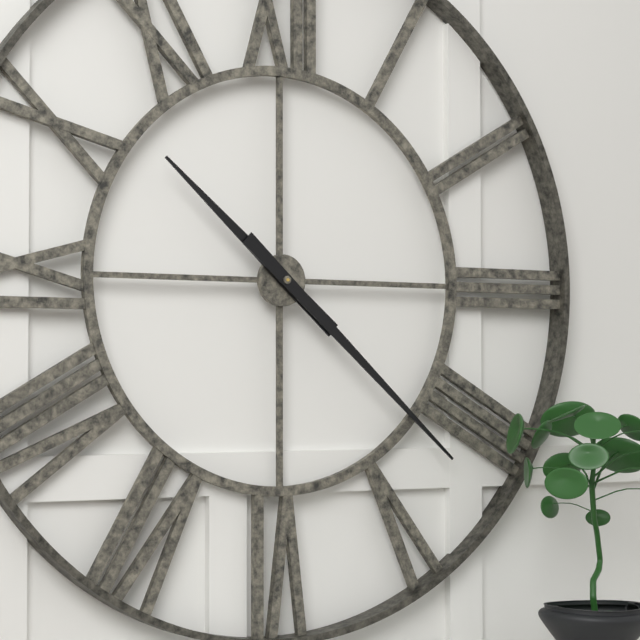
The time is **10:22**
